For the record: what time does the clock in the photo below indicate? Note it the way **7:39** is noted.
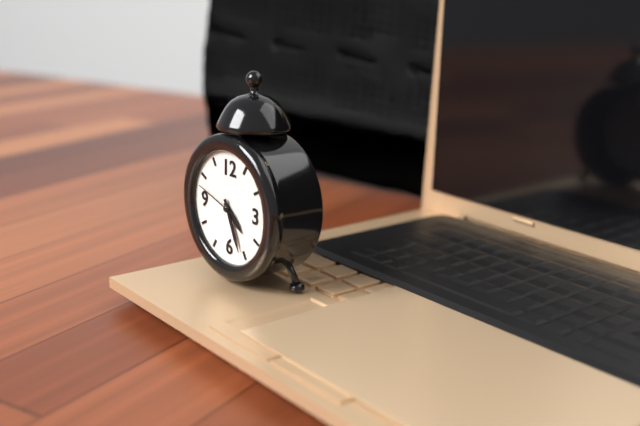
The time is **4:26**
